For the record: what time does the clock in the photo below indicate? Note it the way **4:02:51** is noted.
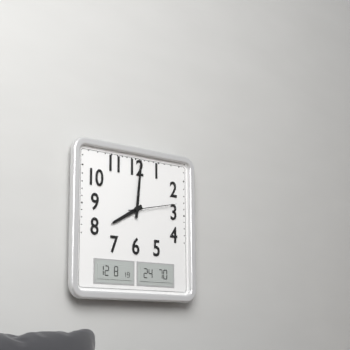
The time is **8:01:13**
